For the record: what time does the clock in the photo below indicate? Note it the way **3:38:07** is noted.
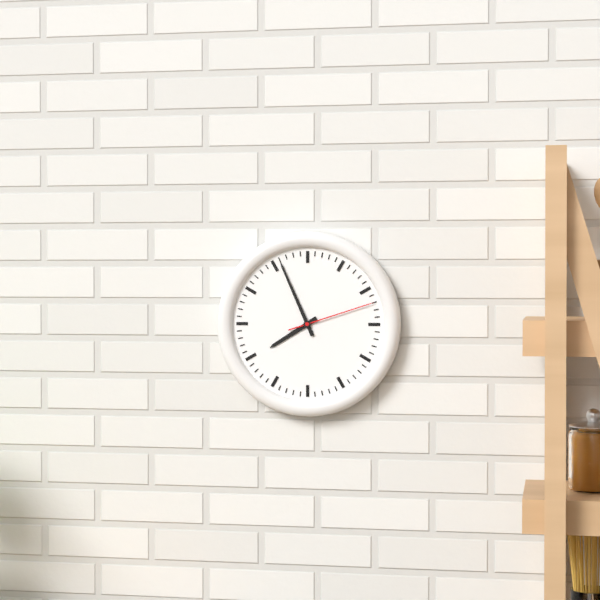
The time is **7:56:12**
